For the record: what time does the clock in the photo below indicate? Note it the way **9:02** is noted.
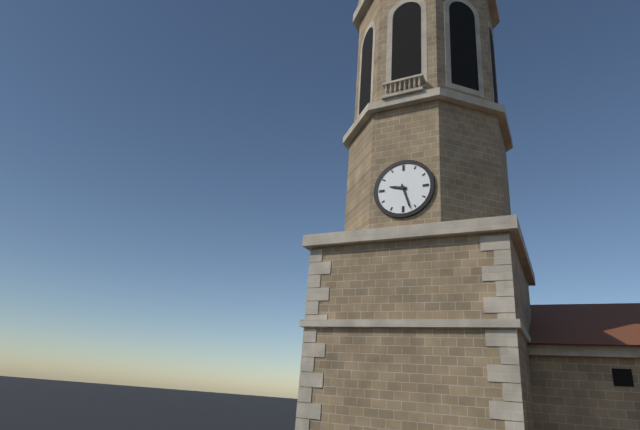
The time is **9:27**
